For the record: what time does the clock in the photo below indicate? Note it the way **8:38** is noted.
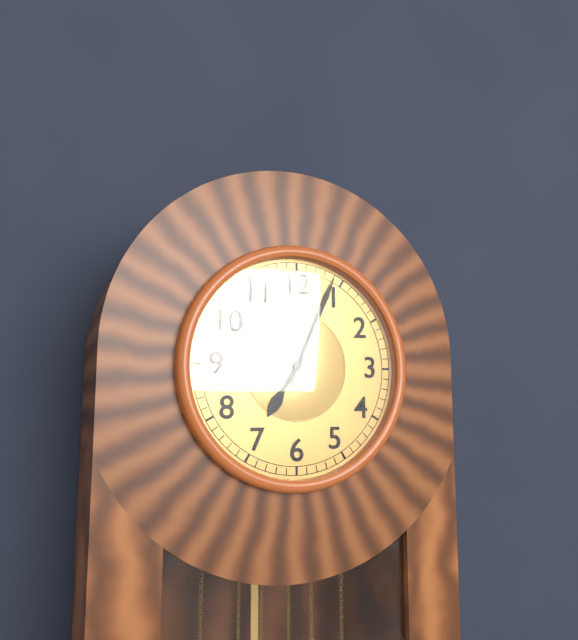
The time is **7:04**
